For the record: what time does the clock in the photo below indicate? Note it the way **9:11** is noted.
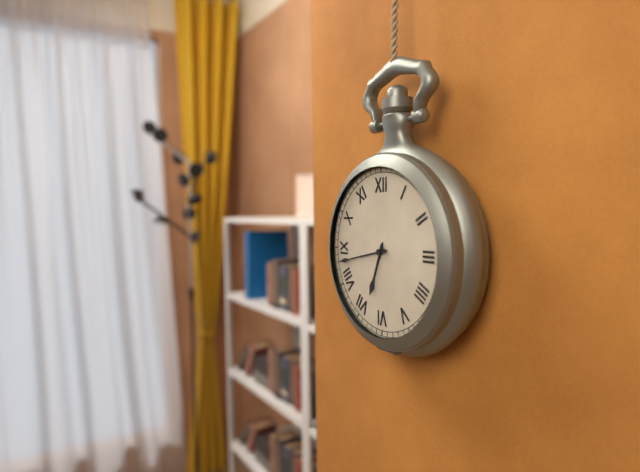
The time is **6:43**
